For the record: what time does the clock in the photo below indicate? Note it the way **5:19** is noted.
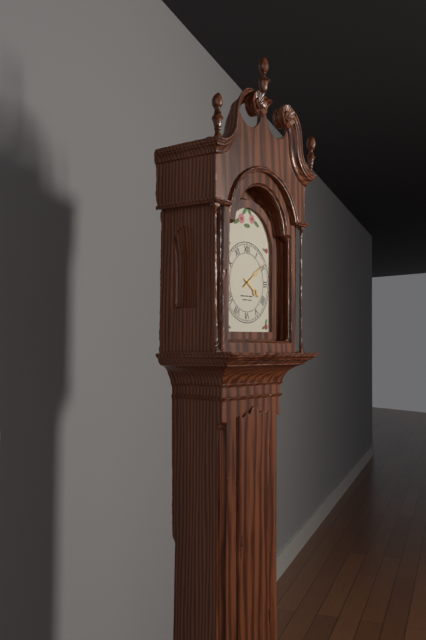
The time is **4:09**
